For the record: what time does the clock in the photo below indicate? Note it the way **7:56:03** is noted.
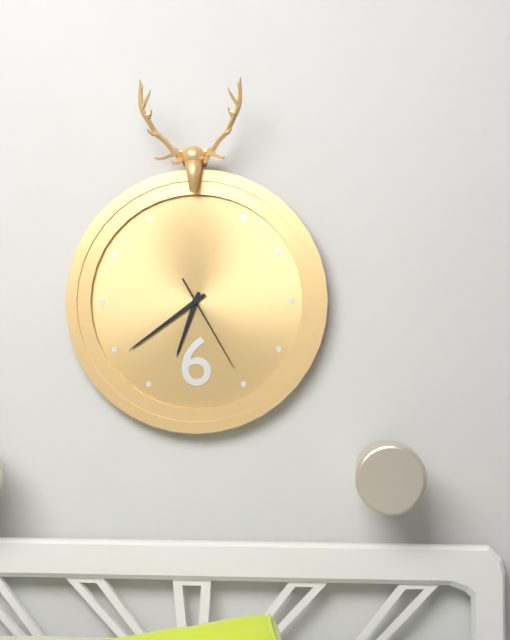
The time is **6:39:25**
